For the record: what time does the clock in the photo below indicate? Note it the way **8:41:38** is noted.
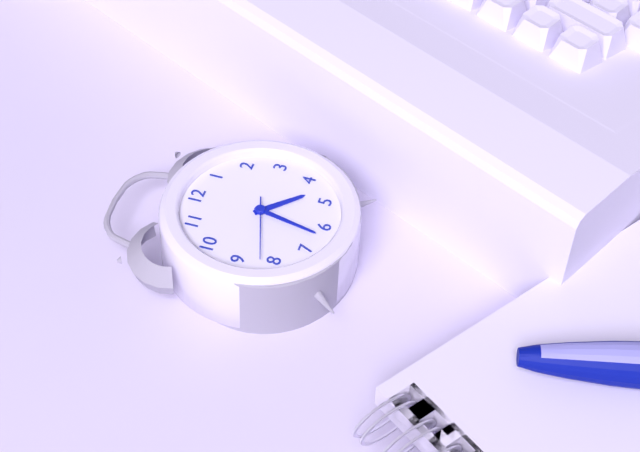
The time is **4:32:42**
